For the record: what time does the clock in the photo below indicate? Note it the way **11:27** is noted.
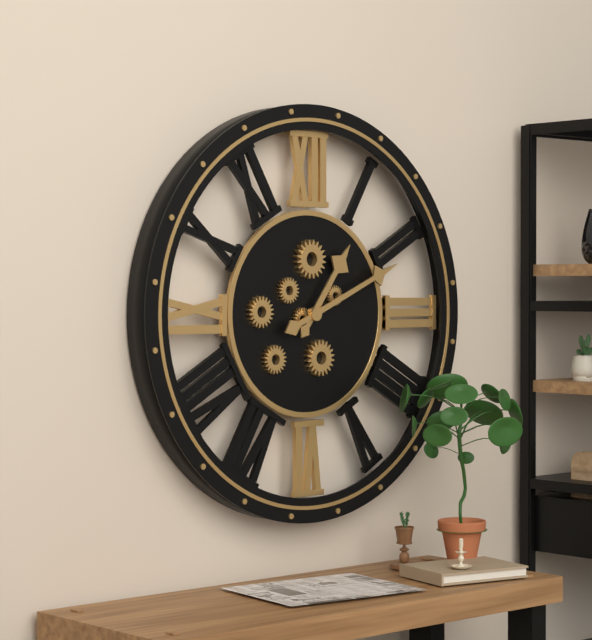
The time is **1:11**
